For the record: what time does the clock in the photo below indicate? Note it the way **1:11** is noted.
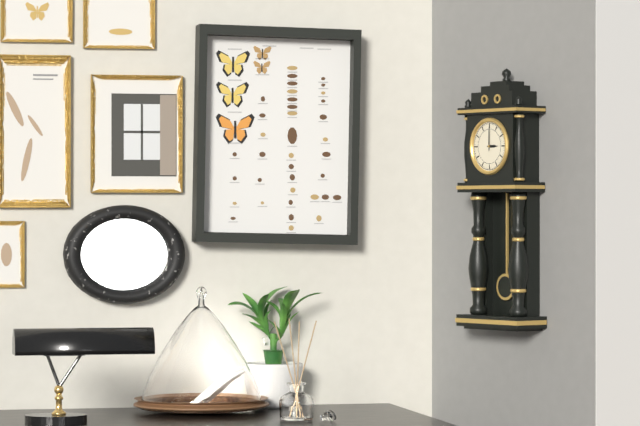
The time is **3:00**
